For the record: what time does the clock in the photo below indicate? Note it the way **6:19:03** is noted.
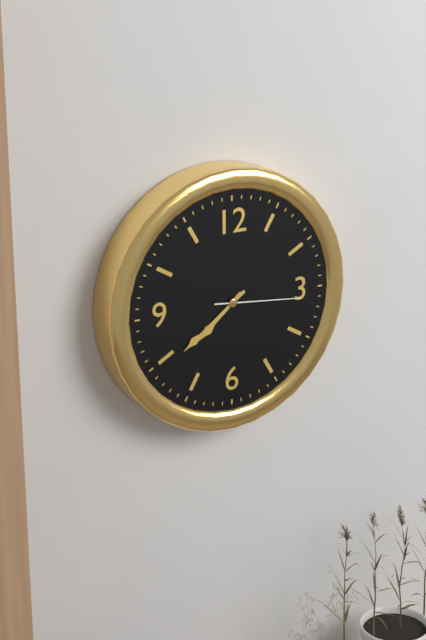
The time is **7:39:16**
